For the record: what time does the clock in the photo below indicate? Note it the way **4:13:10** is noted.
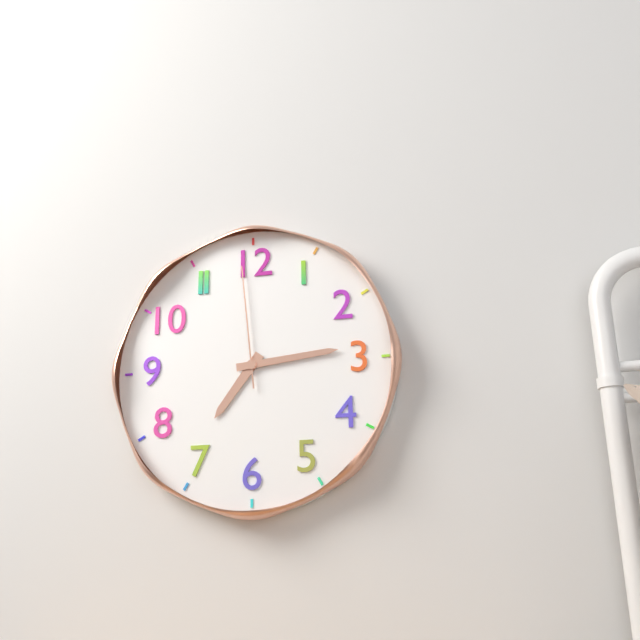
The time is **7:14:59**
